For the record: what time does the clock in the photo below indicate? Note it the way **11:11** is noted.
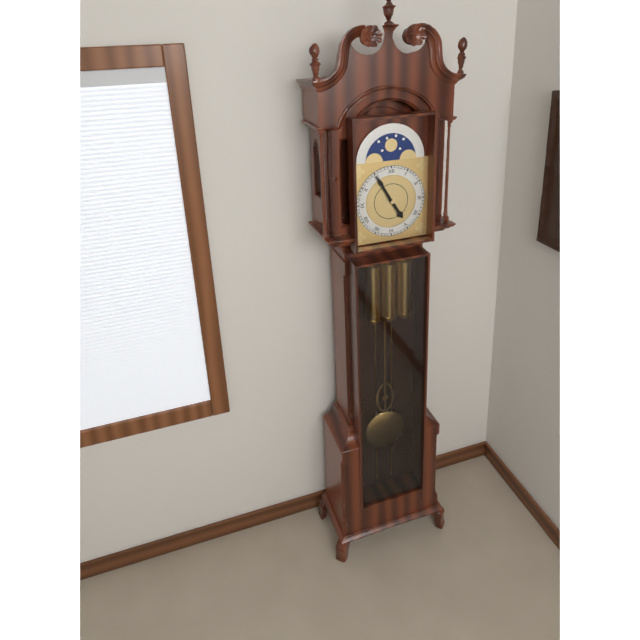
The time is **4:55**
